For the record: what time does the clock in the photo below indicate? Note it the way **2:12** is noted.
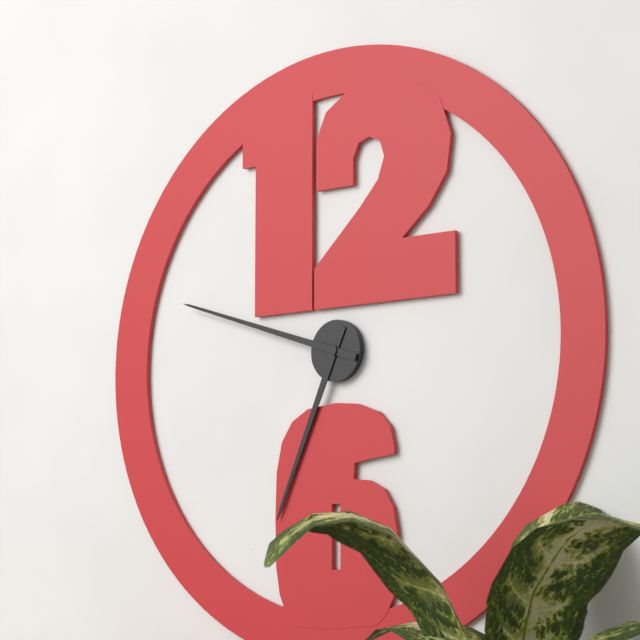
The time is **6:48**
